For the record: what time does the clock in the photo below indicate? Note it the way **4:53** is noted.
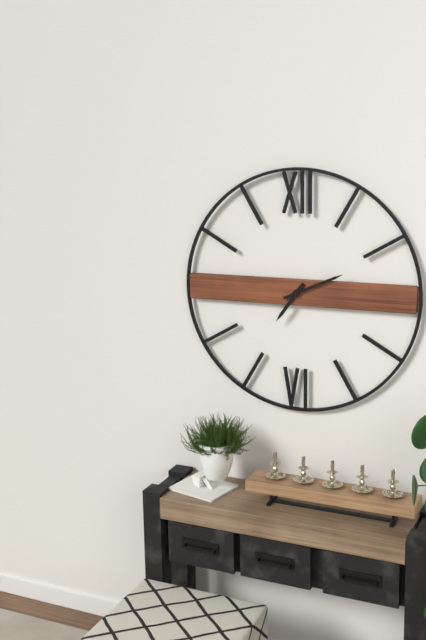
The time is **7:11**
